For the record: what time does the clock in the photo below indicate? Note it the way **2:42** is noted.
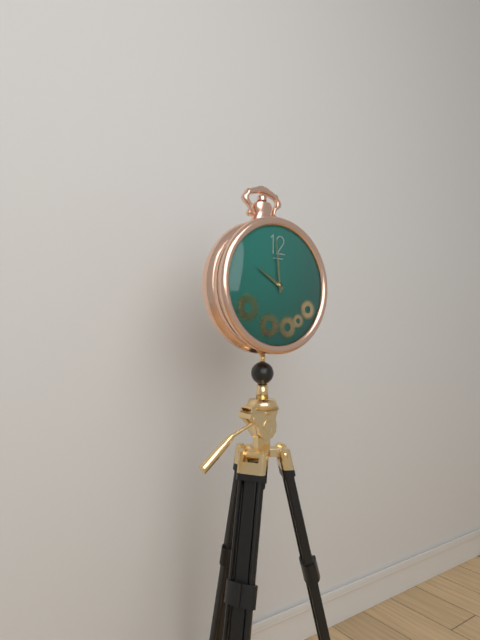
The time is **9:59**
